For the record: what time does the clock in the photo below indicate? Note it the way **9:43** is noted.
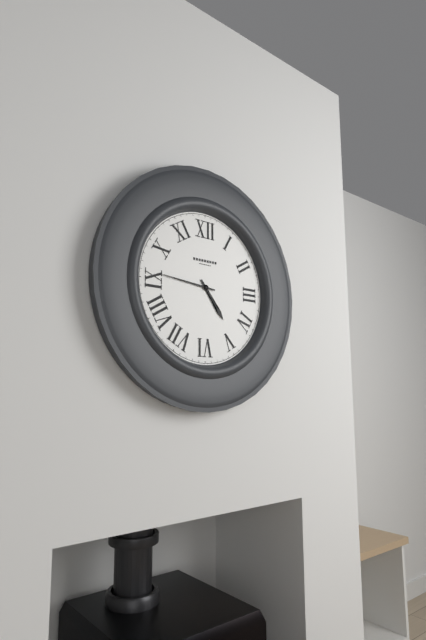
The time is **4:46**
